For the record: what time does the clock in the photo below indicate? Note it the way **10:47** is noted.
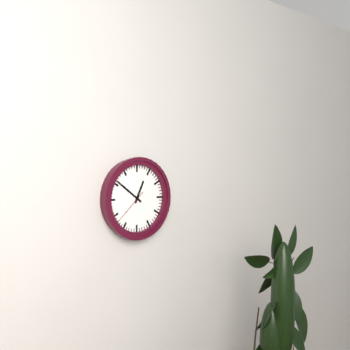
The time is **12:51**
